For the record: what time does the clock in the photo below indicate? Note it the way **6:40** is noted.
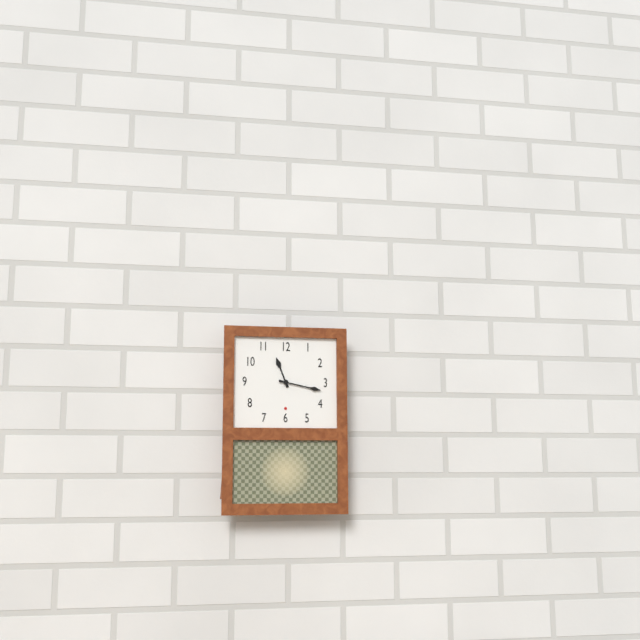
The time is **11:17**
